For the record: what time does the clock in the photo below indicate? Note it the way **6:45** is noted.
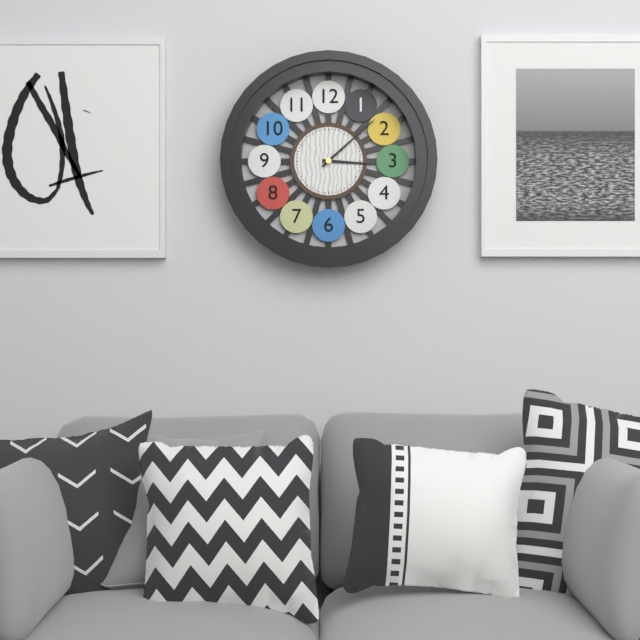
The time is **3:08**
